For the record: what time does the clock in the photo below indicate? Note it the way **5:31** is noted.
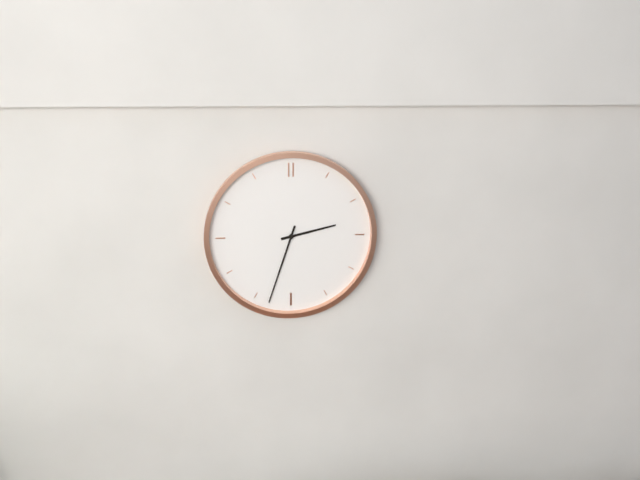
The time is **2:33**
